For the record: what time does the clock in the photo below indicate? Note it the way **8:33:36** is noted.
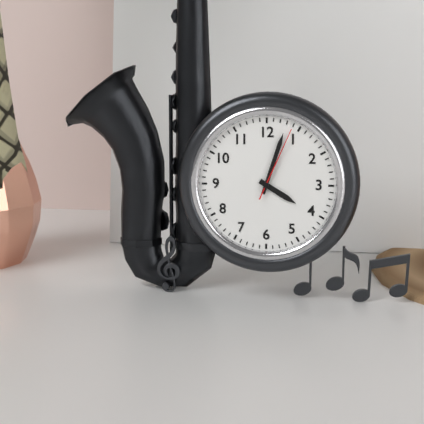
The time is **4:03:04**
